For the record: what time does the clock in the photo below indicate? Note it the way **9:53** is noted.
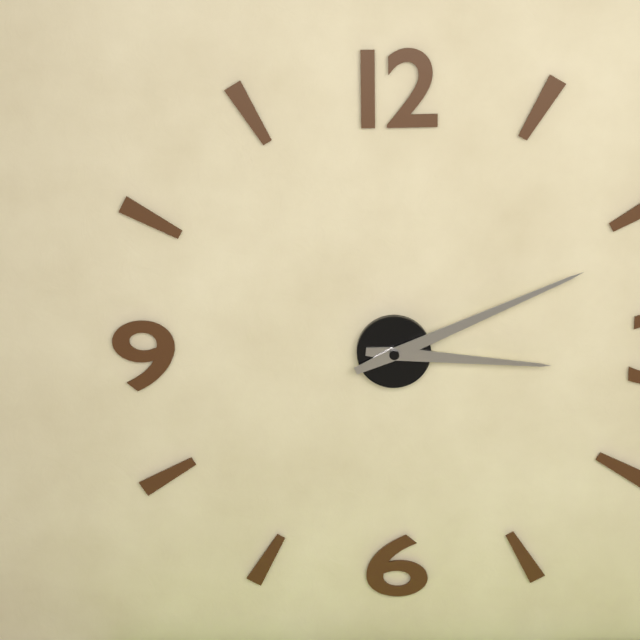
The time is **3:11**
